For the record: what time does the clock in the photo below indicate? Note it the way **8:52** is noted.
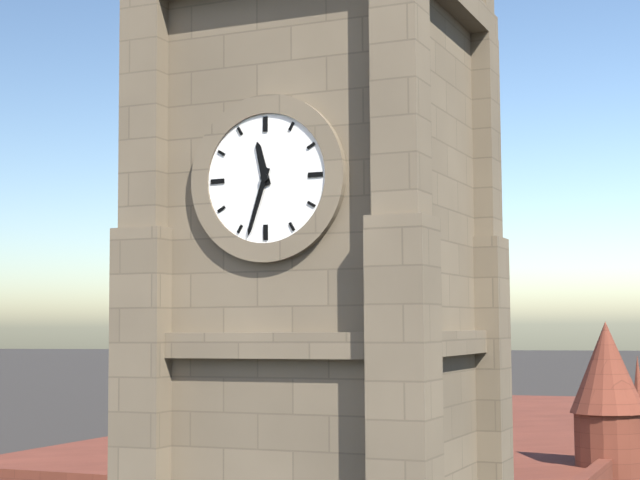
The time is **11:33**
